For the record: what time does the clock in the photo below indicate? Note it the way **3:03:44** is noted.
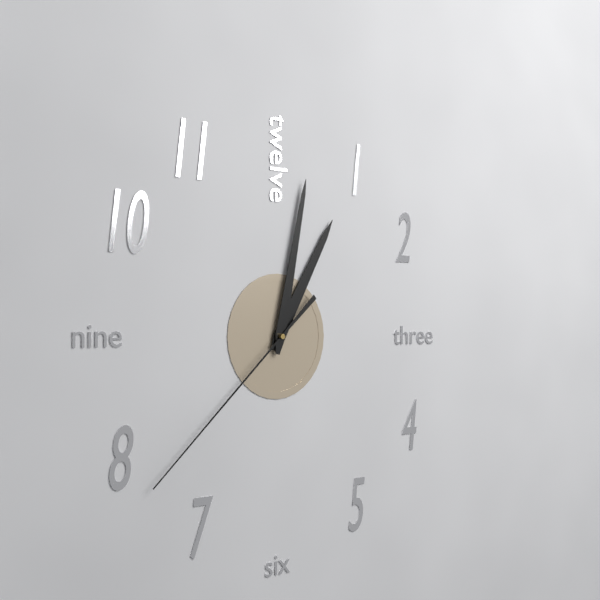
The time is **1:02:38**
